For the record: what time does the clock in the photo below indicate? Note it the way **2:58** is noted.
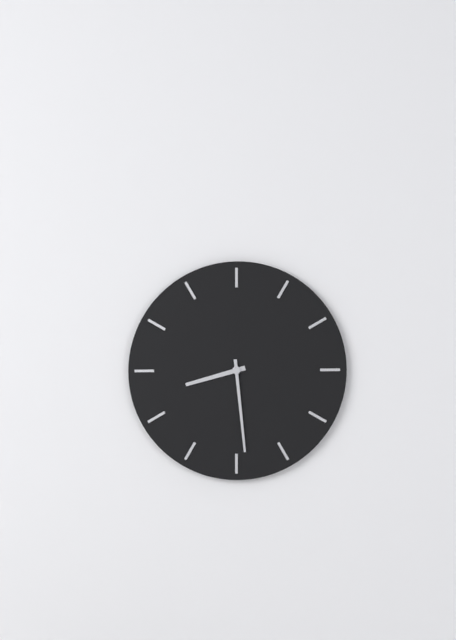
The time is **8:29**
